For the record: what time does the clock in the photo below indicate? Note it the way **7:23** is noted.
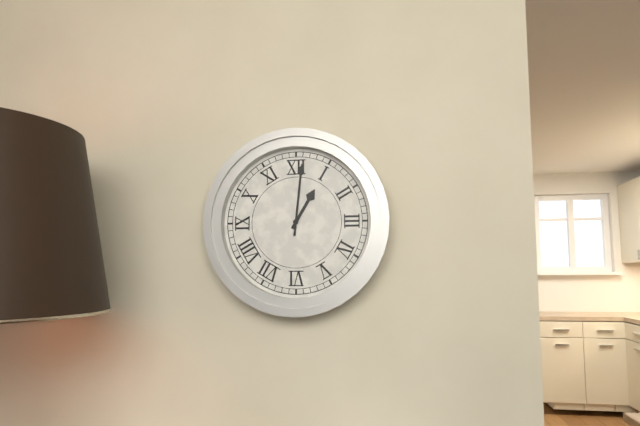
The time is **1:01**
